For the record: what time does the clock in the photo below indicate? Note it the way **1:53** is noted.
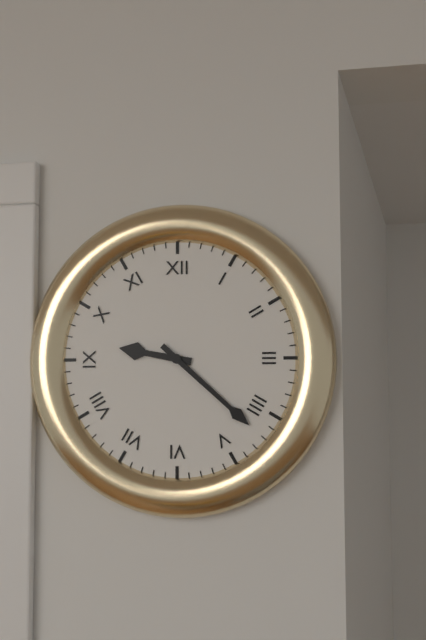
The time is **9:22**
